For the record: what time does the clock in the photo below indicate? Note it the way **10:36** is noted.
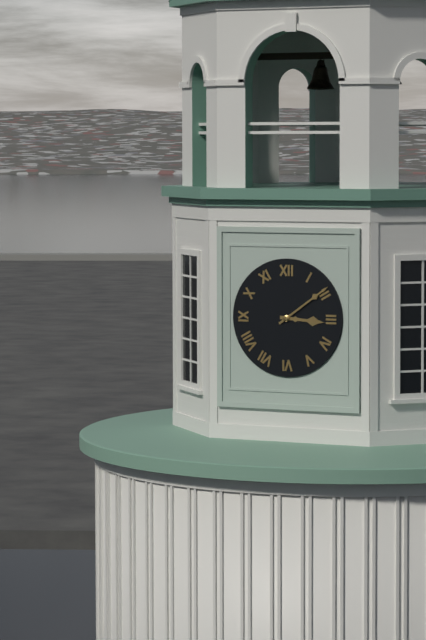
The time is **3:09**
